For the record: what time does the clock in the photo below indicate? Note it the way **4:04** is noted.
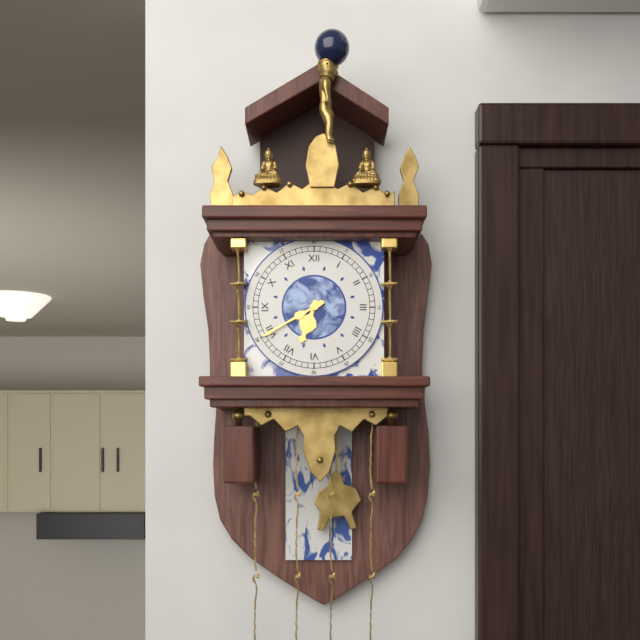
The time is **6:40**
